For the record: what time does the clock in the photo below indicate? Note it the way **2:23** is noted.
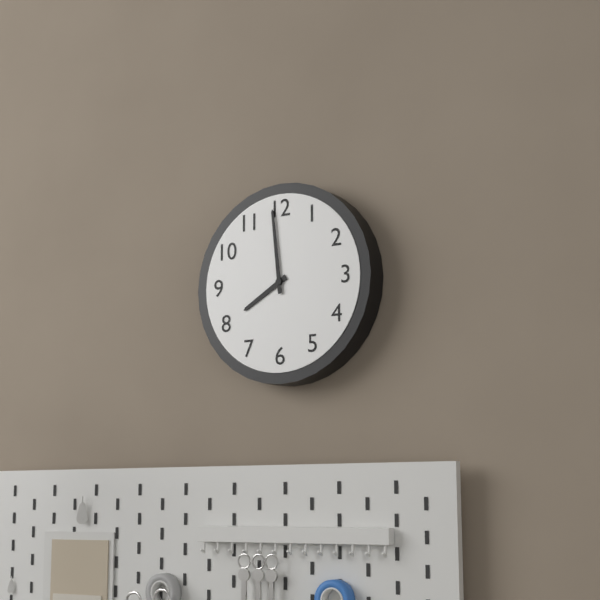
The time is **7:59**
